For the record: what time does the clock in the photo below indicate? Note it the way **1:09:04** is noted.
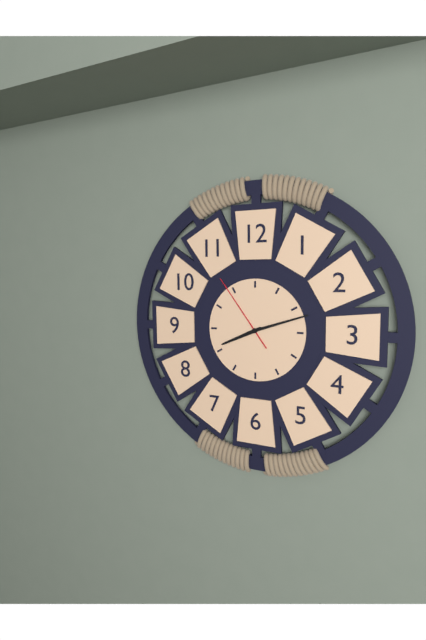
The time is **8:12:54**
